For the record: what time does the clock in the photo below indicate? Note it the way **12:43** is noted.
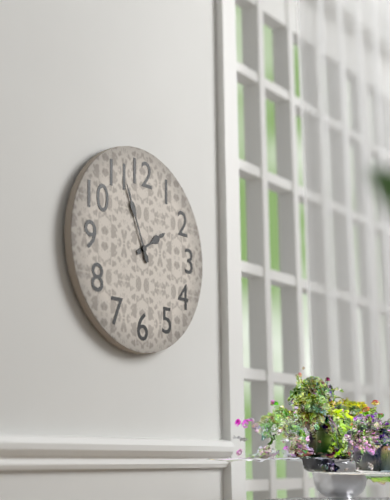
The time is **1:56**
